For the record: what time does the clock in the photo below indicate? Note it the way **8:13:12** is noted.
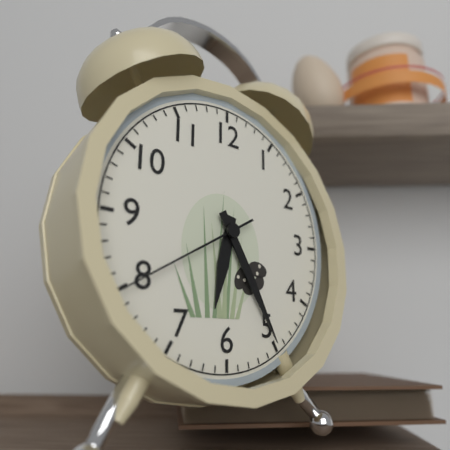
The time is **6:25:40**
